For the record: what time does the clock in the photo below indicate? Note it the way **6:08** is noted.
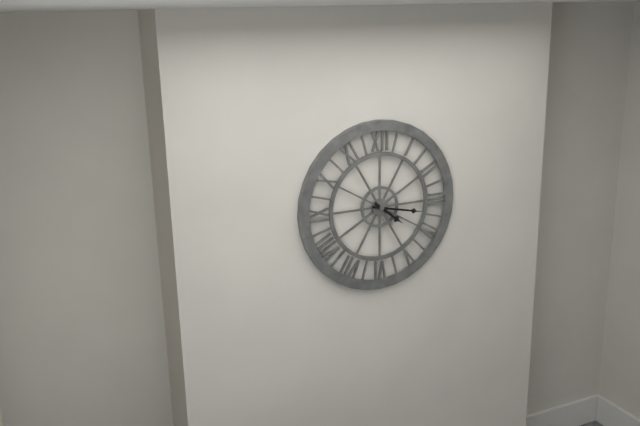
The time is **4:17**
